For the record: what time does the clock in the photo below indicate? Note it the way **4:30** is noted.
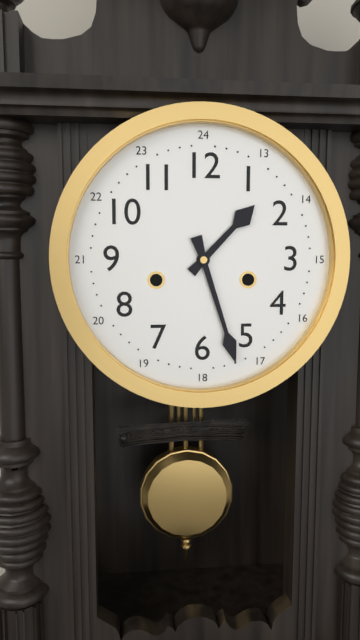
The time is **1:27**
